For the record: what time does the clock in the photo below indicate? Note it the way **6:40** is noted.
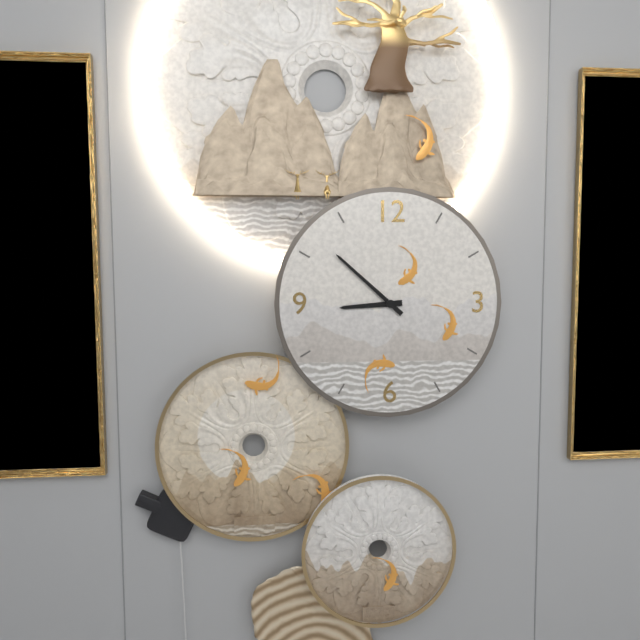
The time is **8:52**
